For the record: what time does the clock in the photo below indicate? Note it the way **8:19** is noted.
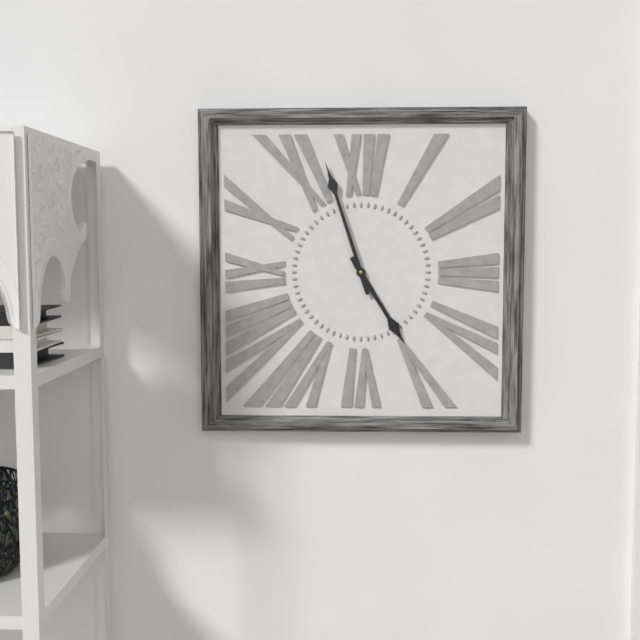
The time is **4:57**
